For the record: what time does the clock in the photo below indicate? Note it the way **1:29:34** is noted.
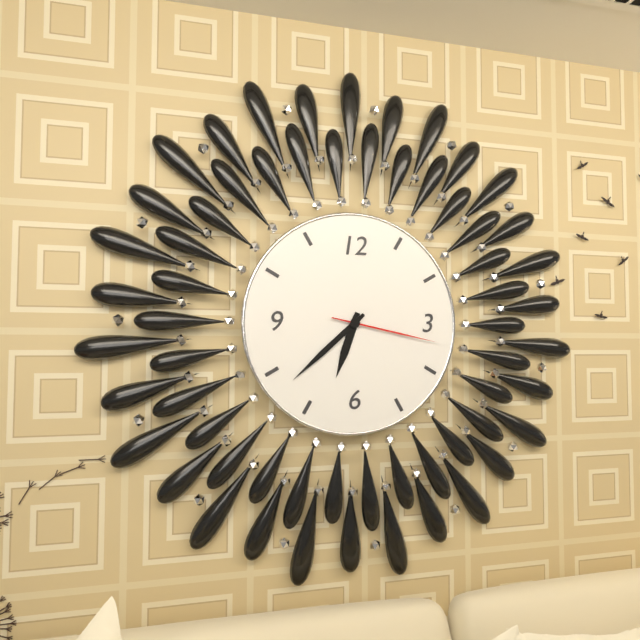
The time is **6:38:17**
